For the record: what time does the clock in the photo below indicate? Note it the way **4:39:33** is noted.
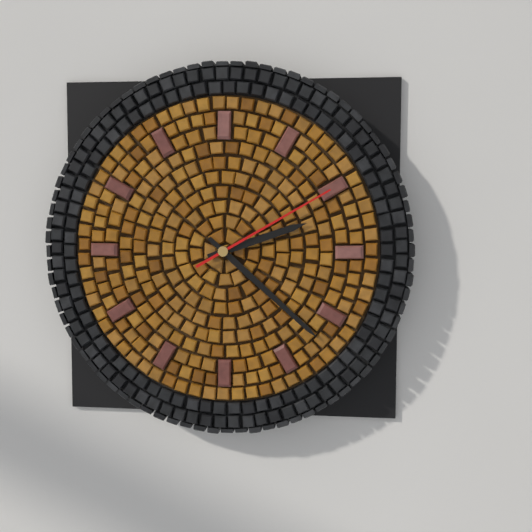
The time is **2:22:10**
